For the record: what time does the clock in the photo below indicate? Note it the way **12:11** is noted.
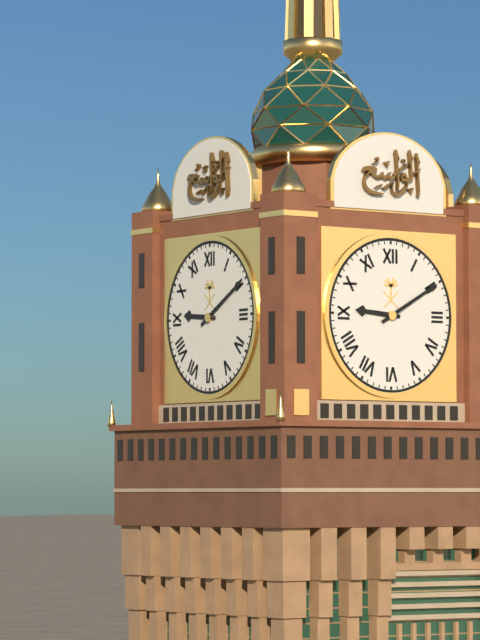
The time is **9:10**
